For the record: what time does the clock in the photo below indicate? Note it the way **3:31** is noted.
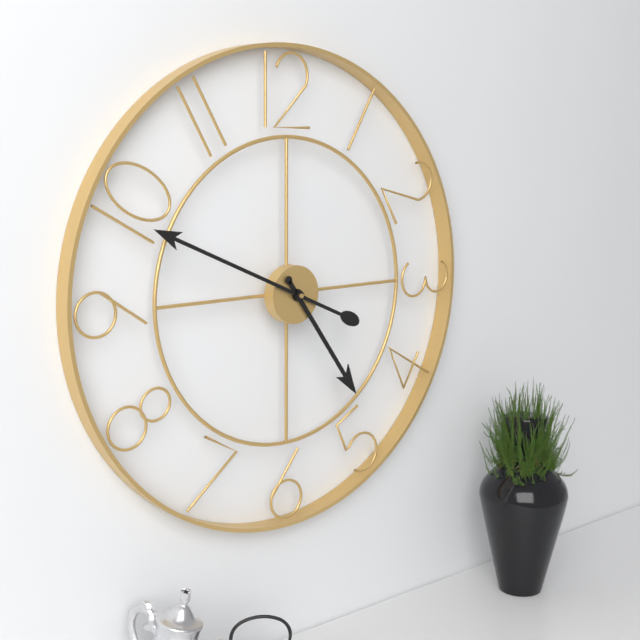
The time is **4:49**
